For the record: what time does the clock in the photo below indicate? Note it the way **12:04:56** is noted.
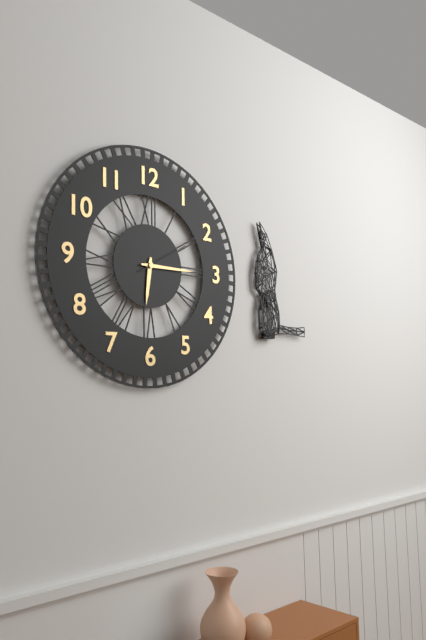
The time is **6:15:10**
